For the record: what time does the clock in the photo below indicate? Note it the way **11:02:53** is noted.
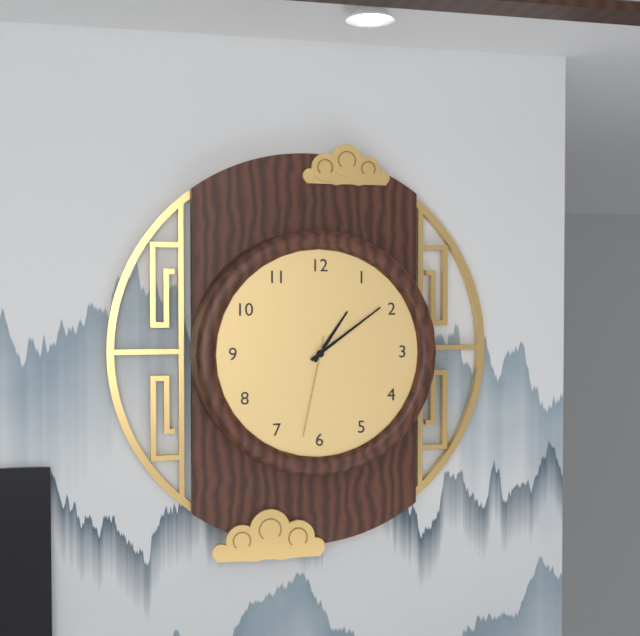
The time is **1:09:32**
